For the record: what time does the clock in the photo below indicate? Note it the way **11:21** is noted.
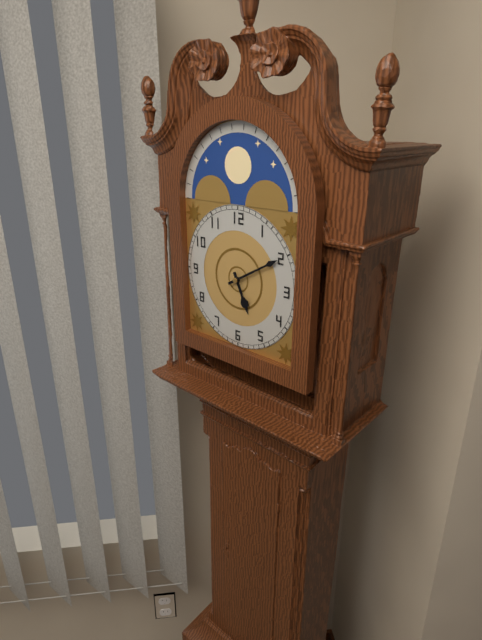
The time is **5:10**
